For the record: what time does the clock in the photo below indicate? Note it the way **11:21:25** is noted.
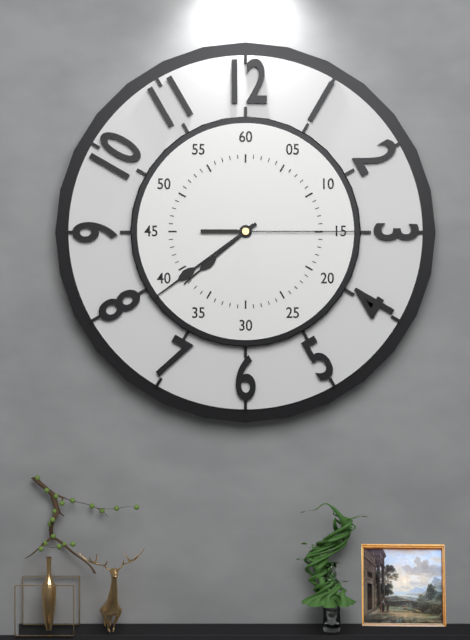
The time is **7:39:15**
